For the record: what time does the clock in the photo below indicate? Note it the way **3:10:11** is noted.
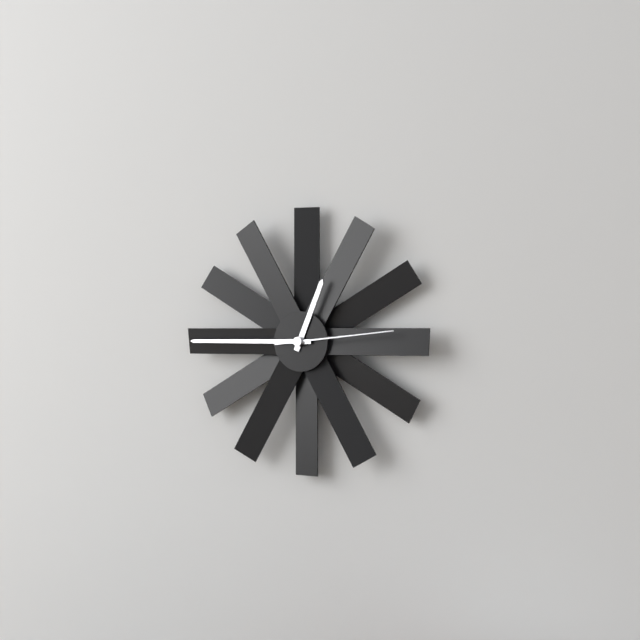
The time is **12:45:14**
